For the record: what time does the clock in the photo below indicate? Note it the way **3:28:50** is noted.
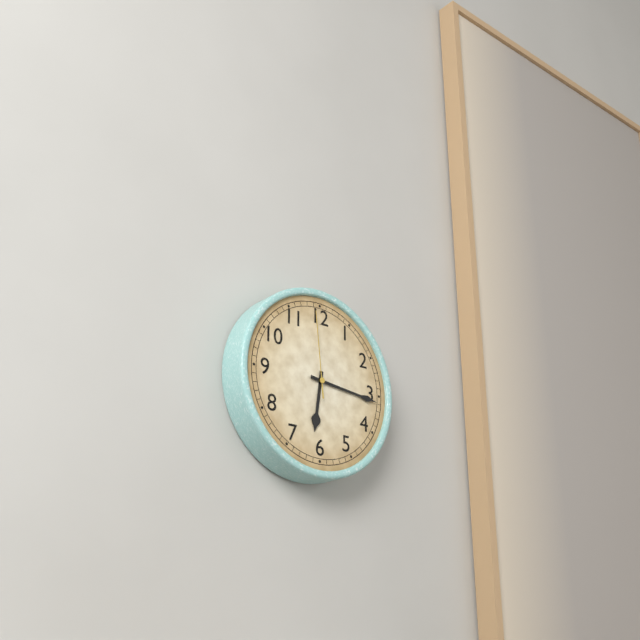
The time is **6:16:59**
